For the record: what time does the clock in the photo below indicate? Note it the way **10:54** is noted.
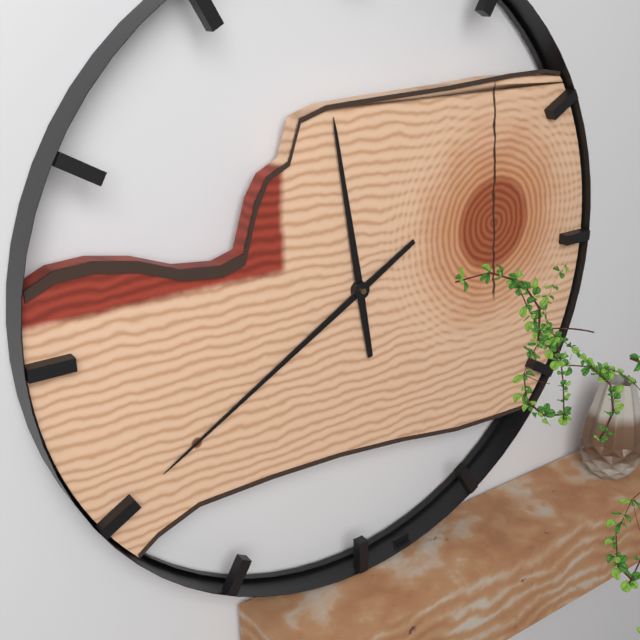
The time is **11:40**
